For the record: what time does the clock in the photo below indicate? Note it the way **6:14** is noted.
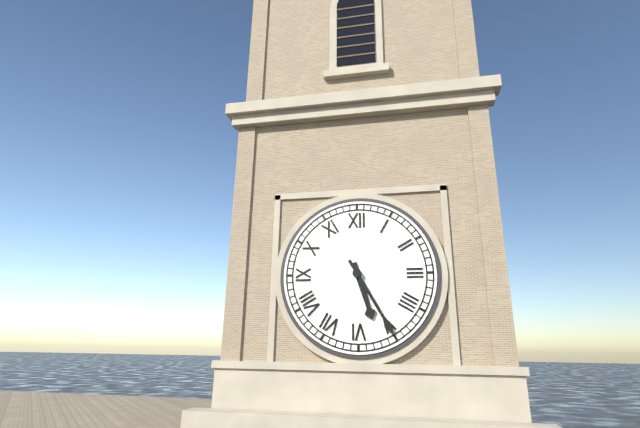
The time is **5:25**
